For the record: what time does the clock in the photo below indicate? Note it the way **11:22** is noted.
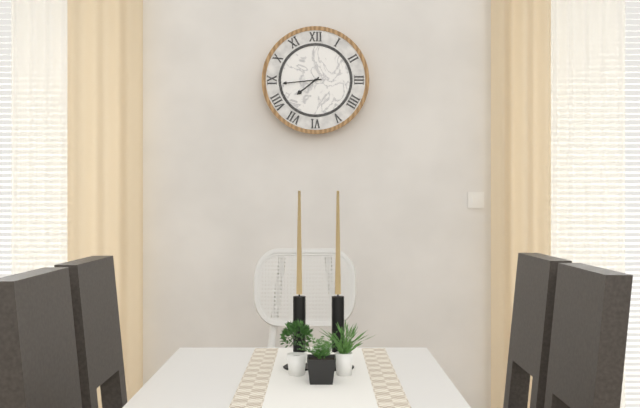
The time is **7:44**
